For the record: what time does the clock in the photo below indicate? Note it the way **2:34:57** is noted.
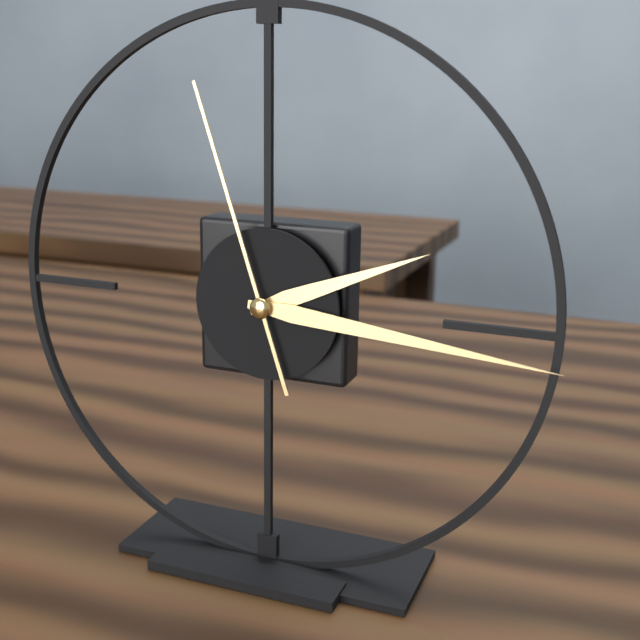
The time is **2:16:57**
